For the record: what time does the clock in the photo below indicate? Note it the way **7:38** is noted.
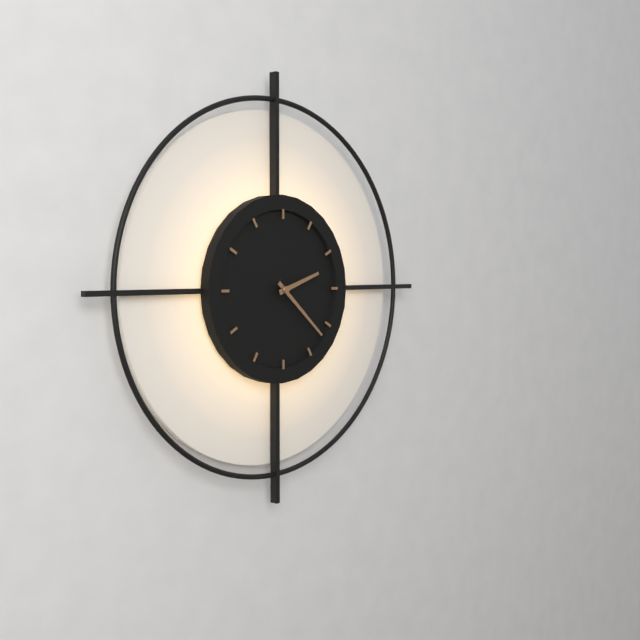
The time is **2:22**
